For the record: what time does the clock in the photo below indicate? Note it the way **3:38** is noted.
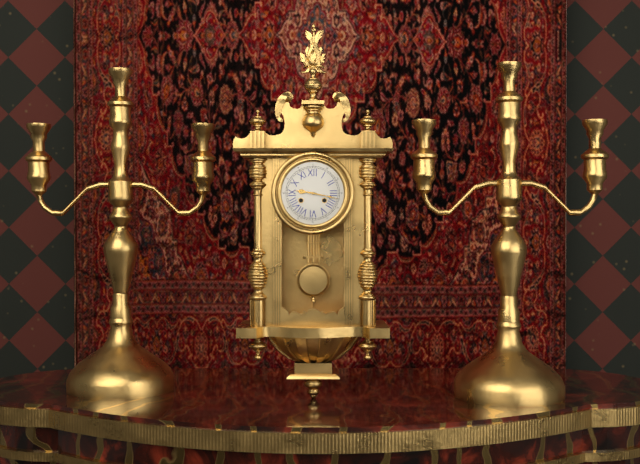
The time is **9:17**
